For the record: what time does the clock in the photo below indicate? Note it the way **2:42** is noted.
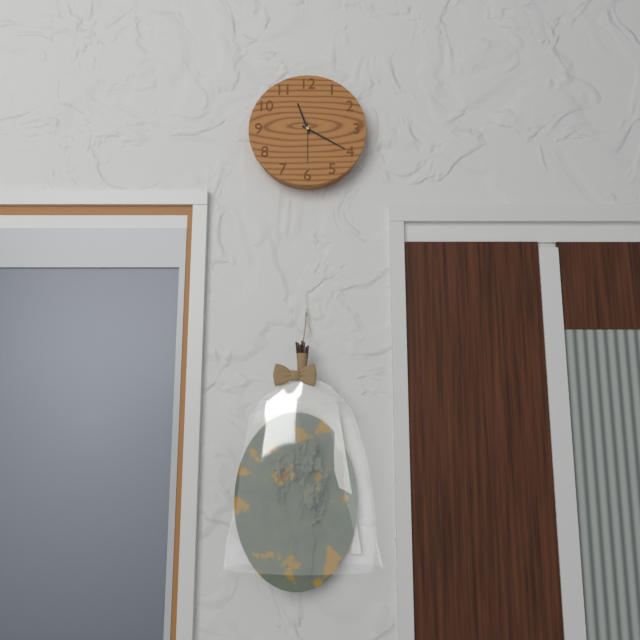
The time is **11:20**
